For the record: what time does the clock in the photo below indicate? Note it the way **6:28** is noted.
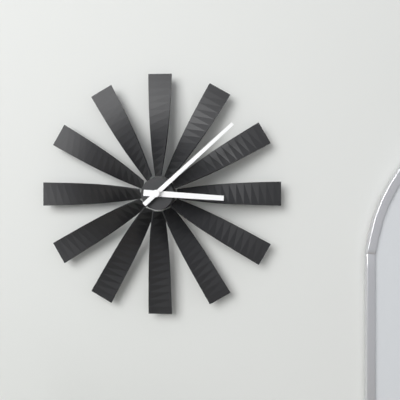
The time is **3:08**
